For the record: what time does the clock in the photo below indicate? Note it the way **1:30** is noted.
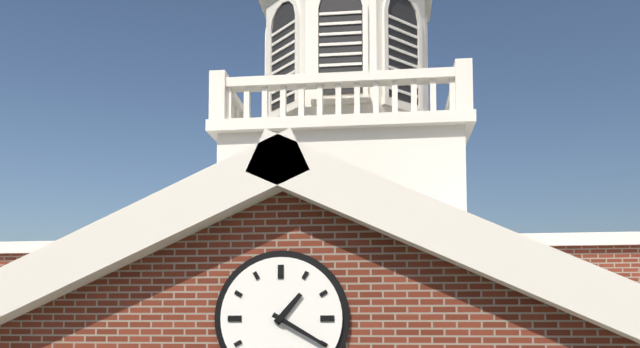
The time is **1:20**
